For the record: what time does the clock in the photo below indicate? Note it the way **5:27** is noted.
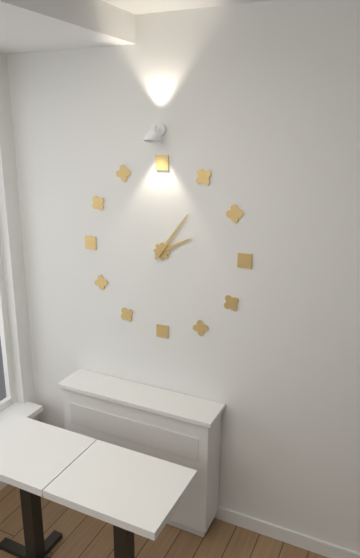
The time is **2:06**
